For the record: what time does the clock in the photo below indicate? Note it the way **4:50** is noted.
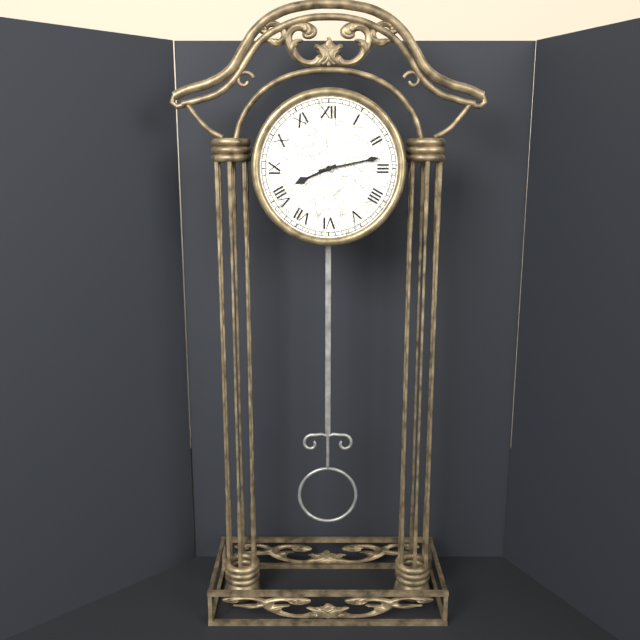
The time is **8:13**
